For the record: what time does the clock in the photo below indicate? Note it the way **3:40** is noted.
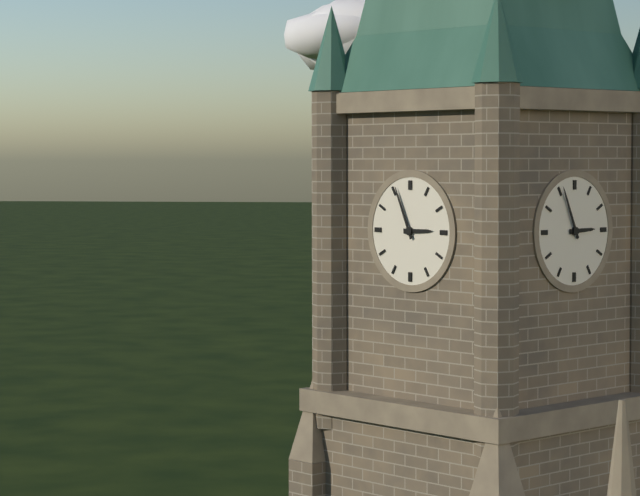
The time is **2:56**
